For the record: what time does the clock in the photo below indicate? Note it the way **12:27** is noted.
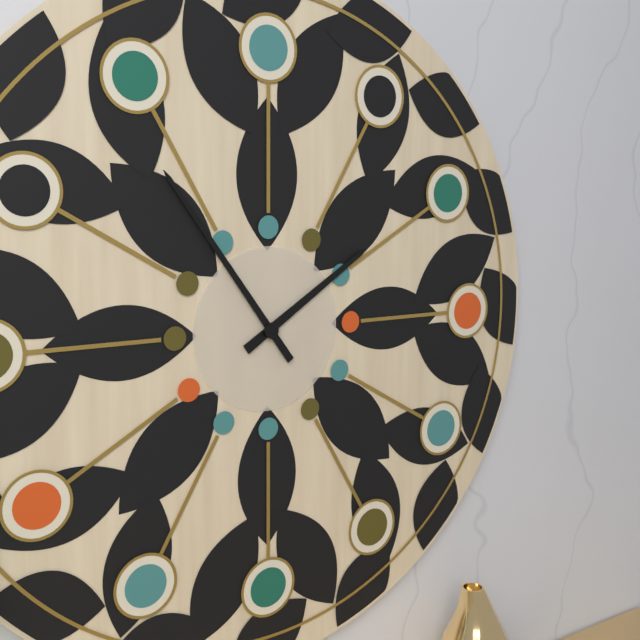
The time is **1:54**
